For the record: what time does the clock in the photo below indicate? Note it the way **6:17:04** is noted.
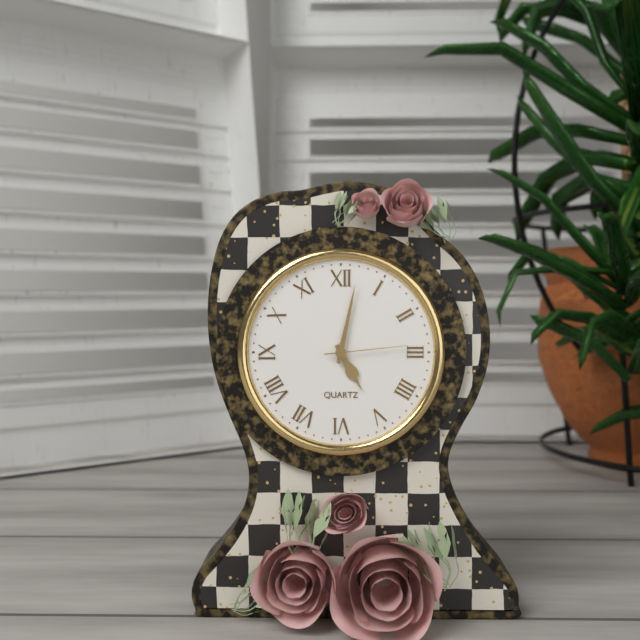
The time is **5:02:14**
